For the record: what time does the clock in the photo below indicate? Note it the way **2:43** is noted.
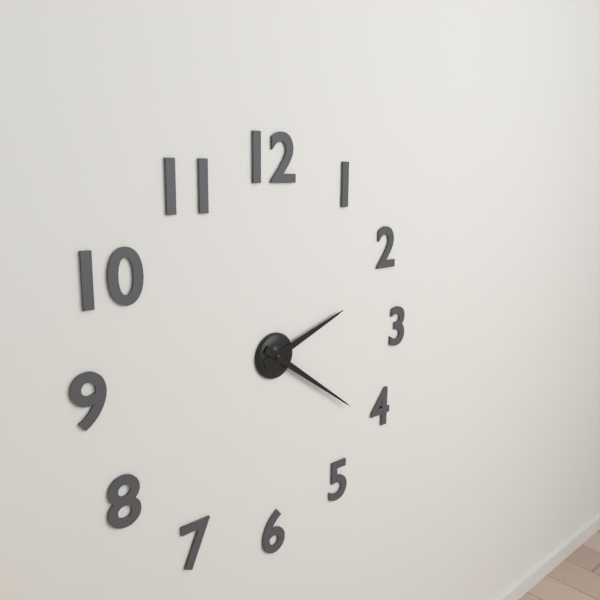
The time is **2:21**
